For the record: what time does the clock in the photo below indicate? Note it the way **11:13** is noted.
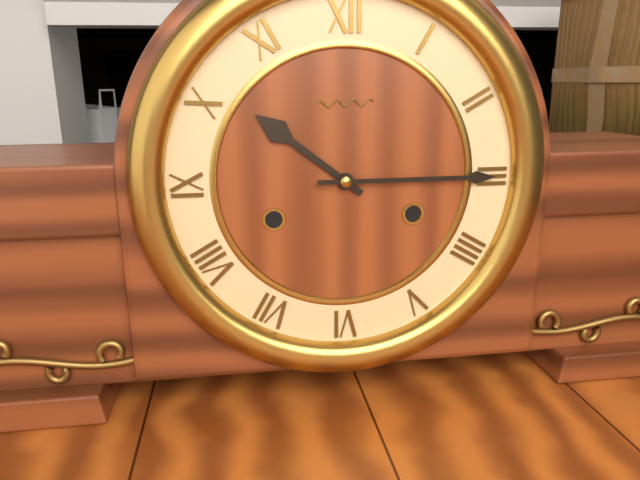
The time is **10:15**
